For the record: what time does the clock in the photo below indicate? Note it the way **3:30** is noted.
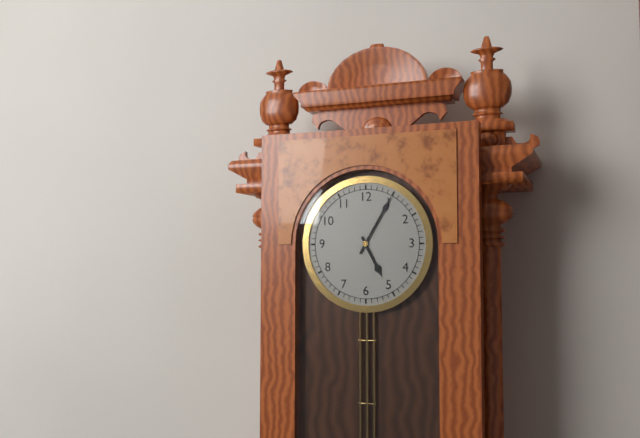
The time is **5:05**
